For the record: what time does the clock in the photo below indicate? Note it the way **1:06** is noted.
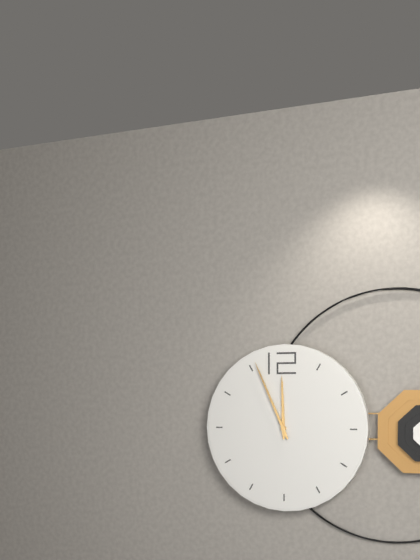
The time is **11:56**
